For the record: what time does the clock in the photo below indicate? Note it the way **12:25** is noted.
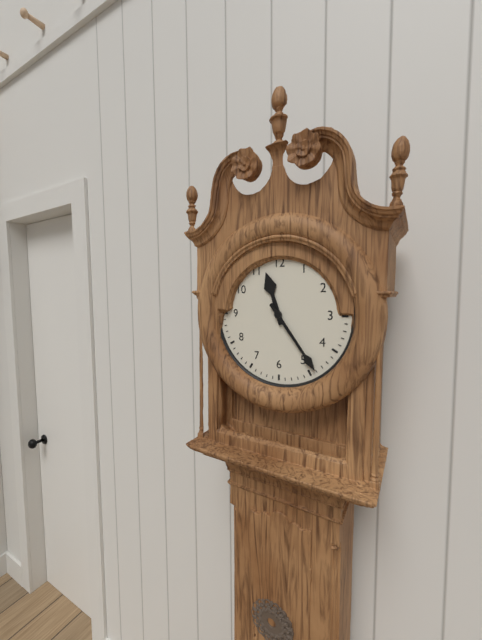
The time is **11:24**
